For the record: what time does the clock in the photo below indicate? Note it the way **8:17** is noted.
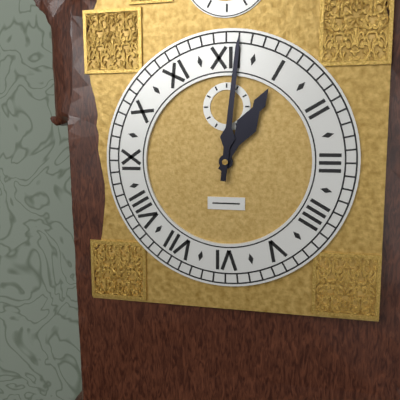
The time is **1:01**
